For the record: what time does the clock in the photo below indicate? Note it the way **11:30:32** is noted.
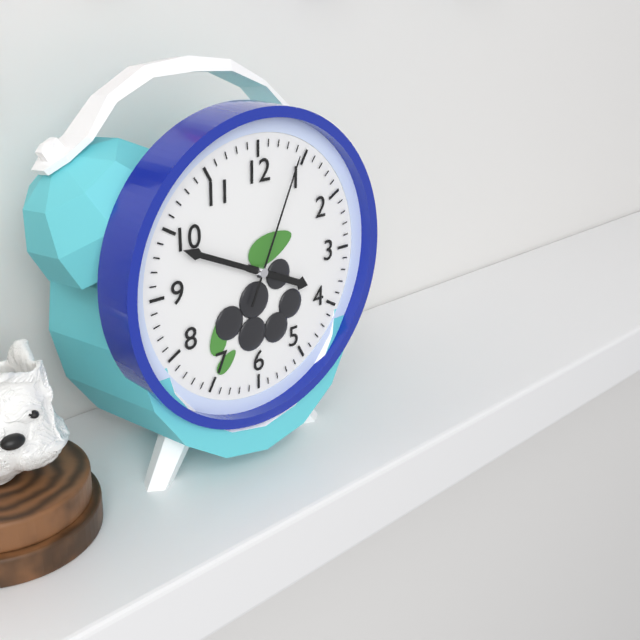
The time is **3:49:04**
